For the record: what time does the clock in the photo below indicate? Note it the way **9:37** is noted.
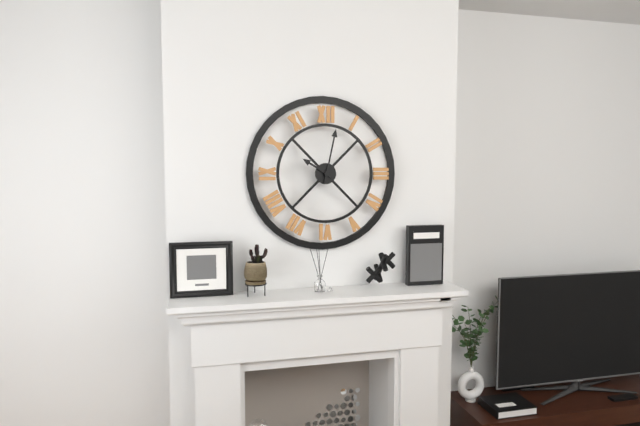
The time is **10:02**
